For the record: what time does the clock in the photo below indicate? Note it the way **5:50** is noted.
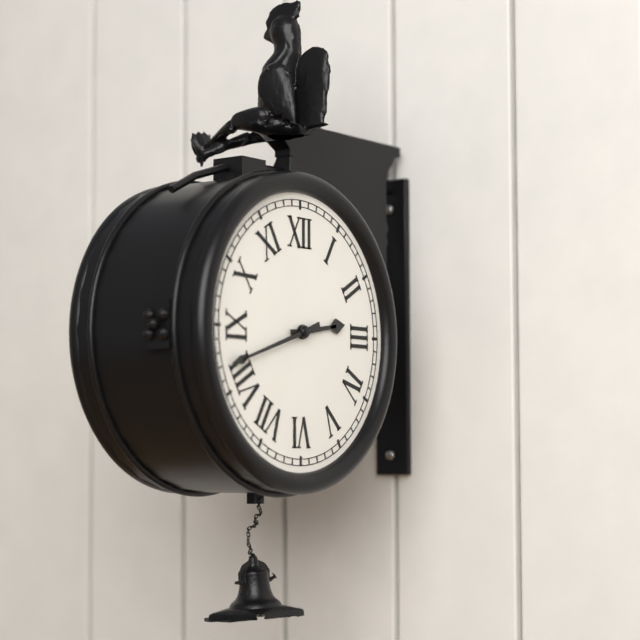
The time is **2:42**
